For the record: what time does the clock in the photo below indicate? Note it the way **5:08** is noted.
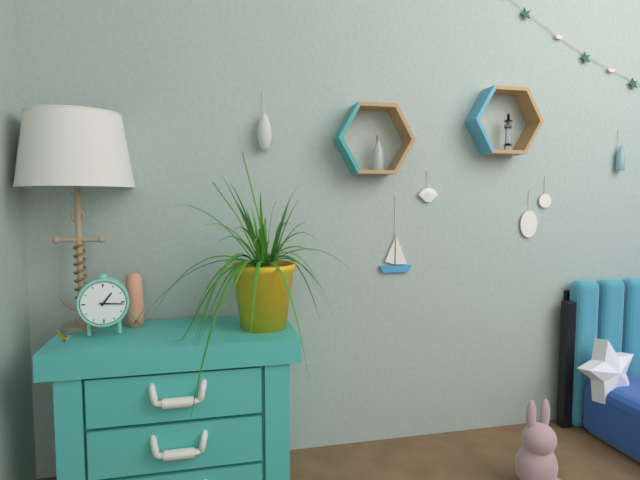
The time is **1:16**
